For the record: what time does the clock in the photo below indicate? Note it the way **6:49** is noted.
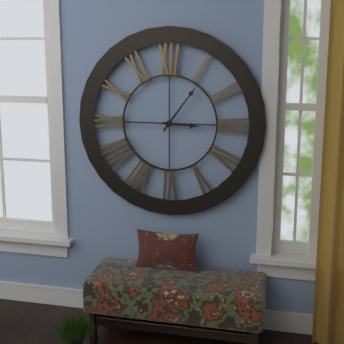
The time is **3:06**
